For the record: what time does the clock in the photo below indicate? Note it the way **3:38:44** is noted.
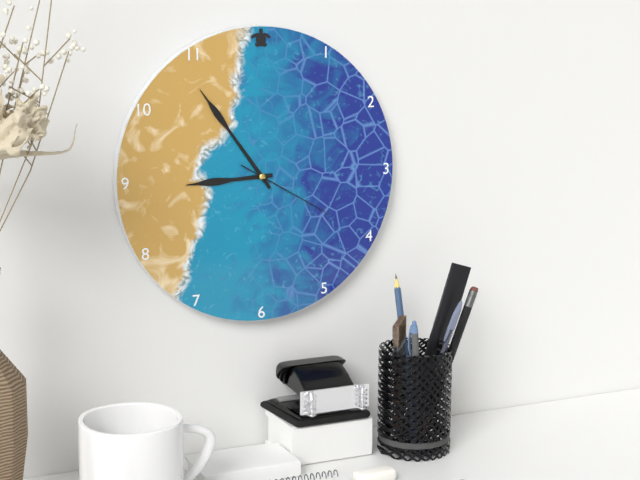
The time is **8:54:20**
